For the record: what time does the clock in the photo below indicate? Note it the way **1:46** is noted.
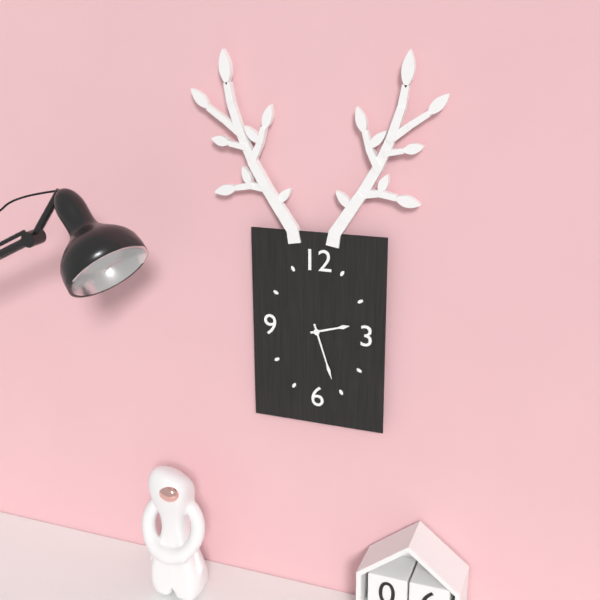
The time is **2:27**
